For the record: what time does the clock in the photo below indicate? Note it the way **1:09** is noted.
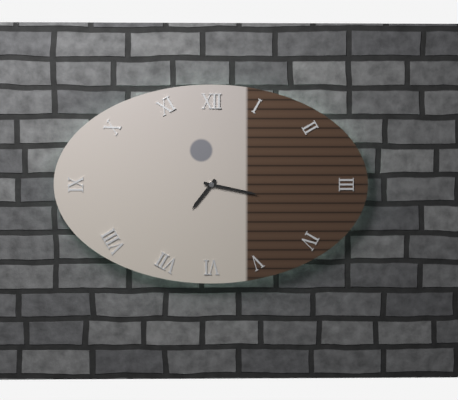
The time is **7:17**
